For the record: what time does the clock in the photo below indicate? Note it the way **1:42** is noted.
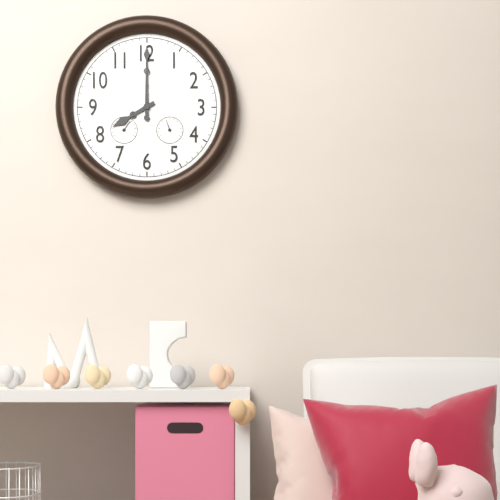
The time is **8:00**
